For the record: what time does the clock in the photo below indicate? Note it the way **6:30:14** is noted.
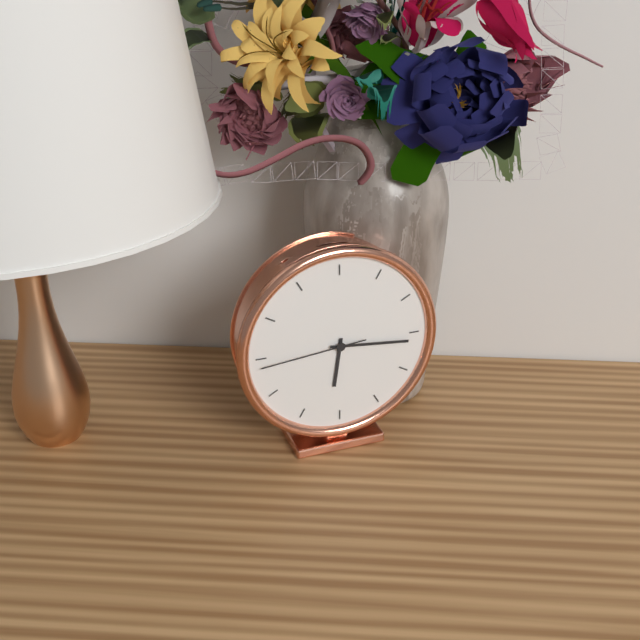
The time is **6:16:44**
